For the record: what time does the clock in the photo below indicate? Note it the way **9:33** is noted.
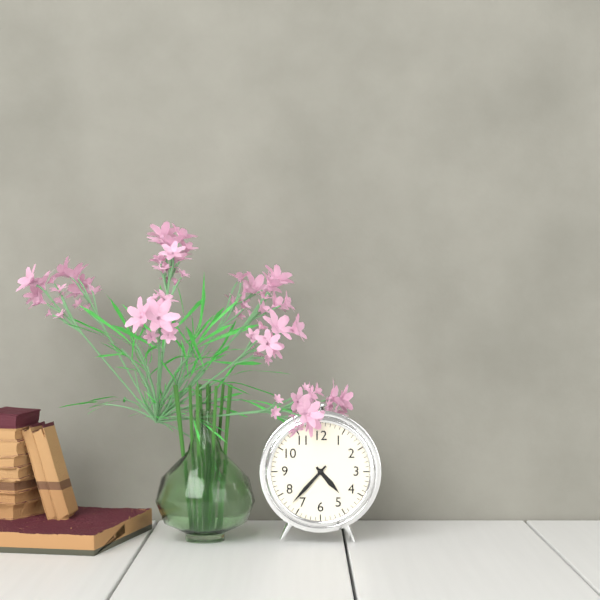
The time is **4:37**
